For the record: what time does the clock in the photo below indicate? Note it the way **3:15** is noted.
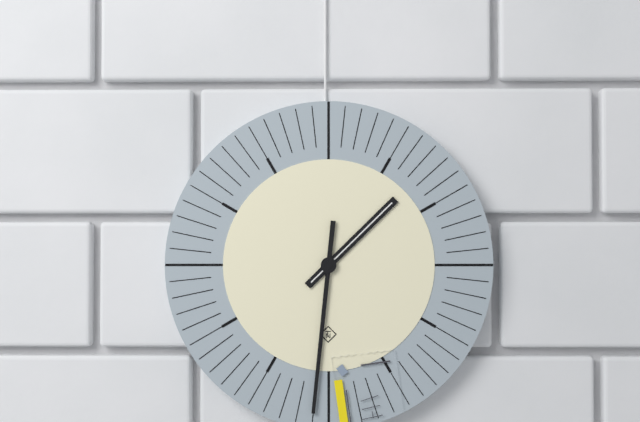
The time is **1:31**
